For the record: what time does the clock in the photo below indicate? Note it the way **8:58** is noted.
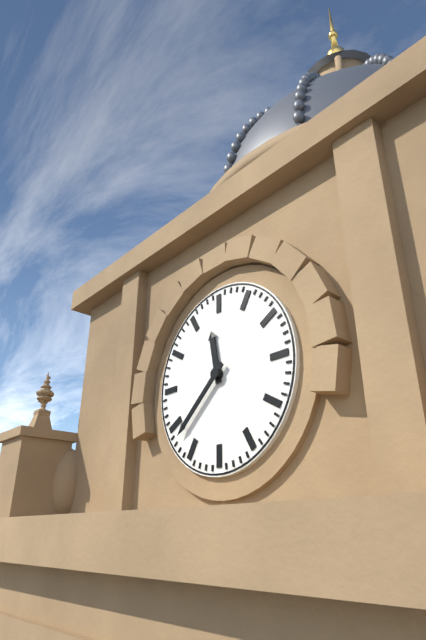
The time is **11:38**
